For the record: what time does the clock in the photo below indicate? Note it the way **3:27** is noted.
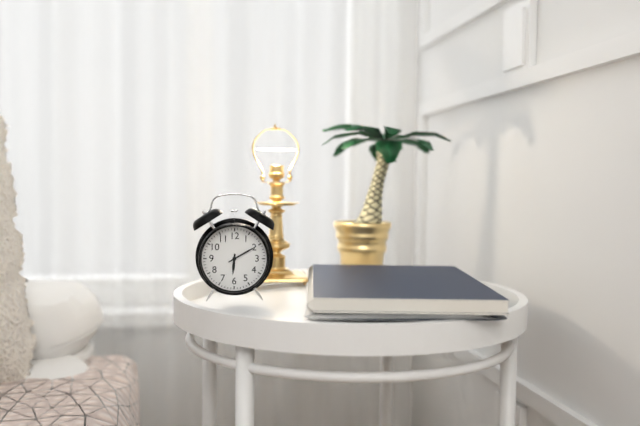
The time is **6:10**
